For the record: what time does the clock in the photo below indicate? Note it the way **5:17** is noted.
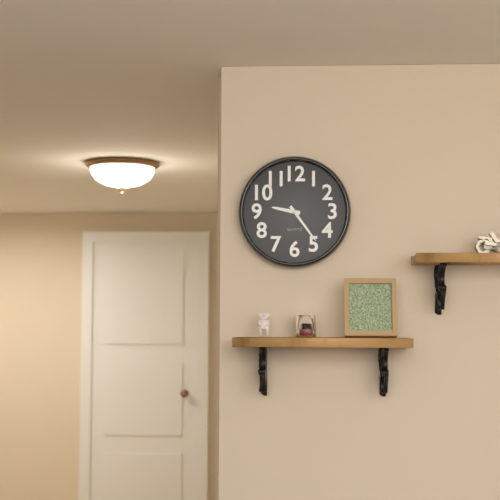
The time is **9:24**
